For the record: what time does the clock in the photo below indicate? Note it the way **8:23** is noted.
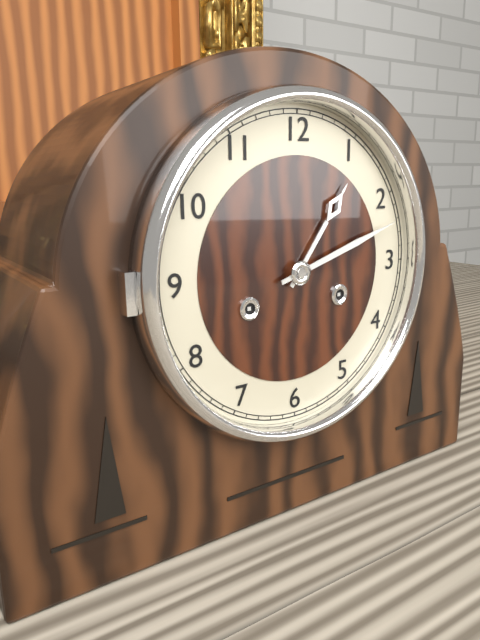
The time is **1:12**
